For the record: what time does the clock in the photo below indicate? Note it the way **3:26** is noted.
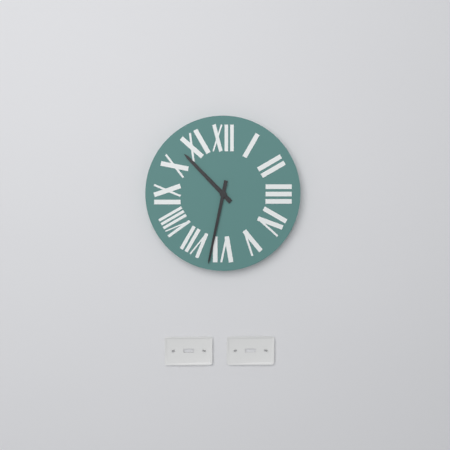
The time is **10:32**
